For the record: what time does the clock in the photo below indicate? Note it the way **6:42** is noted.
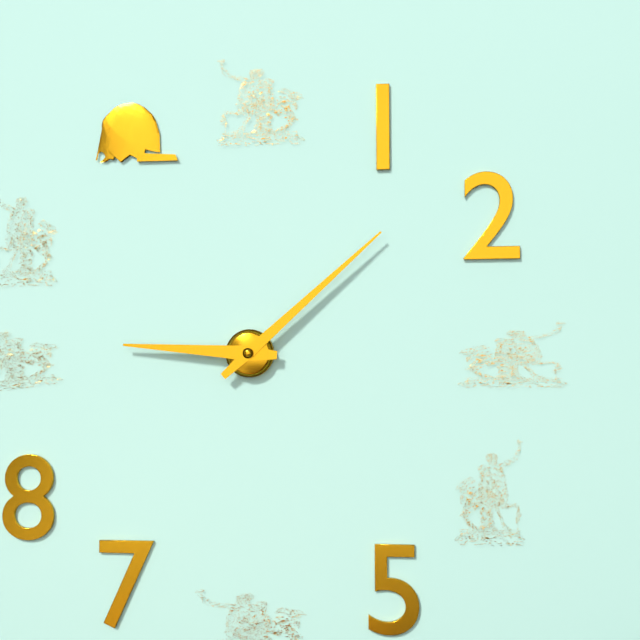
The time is **9:08**
